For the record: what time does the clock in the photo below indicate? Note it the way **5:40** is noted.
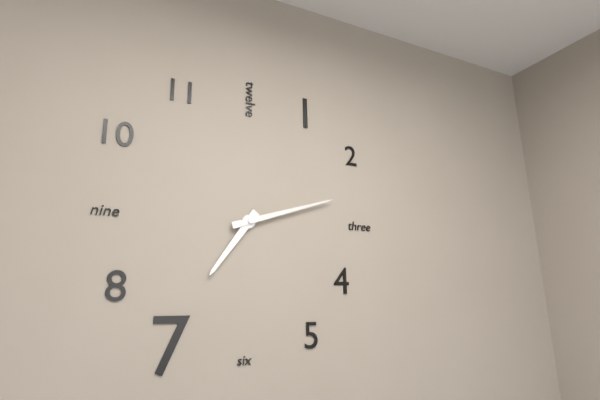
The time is **7:12**
